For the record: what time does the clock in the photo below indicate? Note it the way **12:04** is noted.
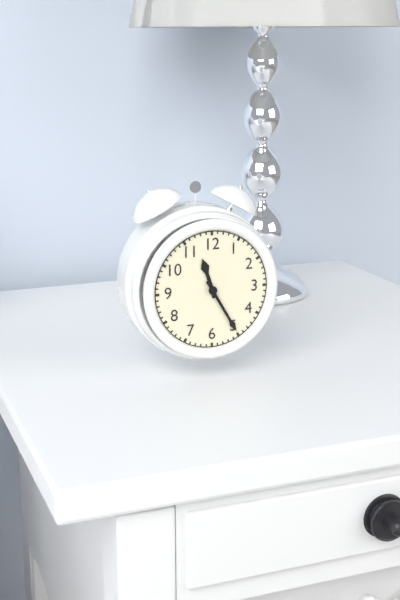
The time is **11:25**
